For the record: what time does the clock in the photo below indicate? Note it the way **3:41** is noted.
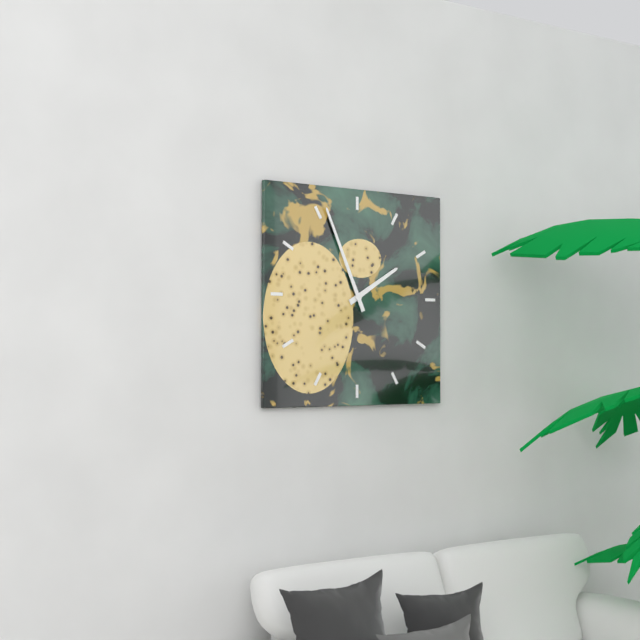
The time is **1:56**
